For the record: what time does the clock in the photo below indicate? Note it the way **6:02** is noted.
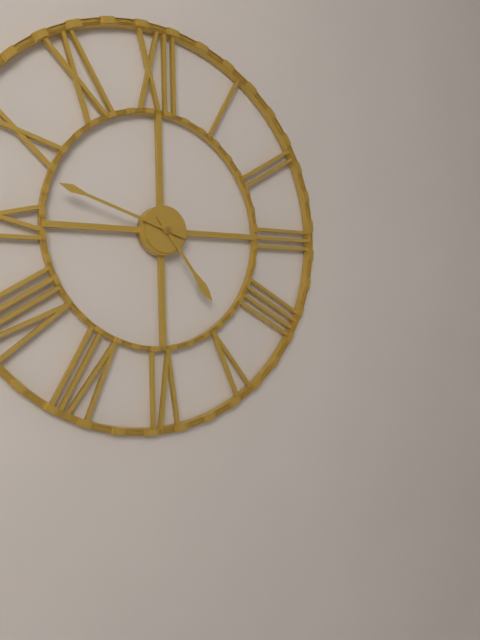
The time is **4:48**
